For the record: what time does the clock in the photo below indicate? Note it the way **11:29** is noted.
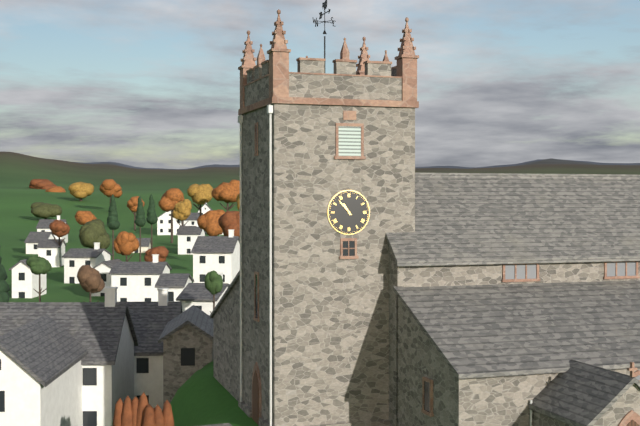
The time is **10:53**
